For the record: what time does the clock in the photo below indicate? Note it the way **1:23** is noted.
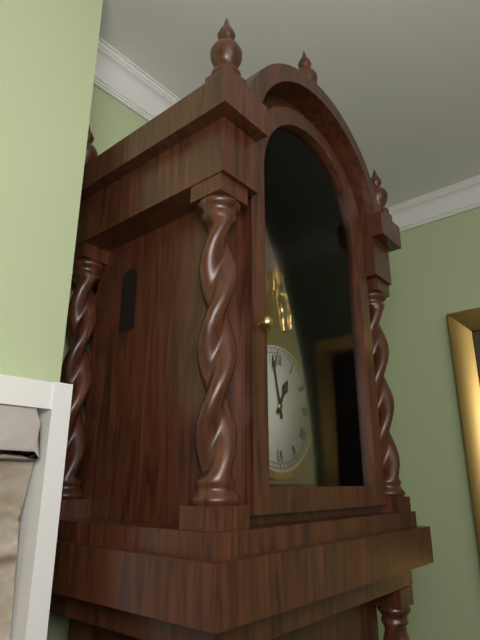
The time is **12:58**
